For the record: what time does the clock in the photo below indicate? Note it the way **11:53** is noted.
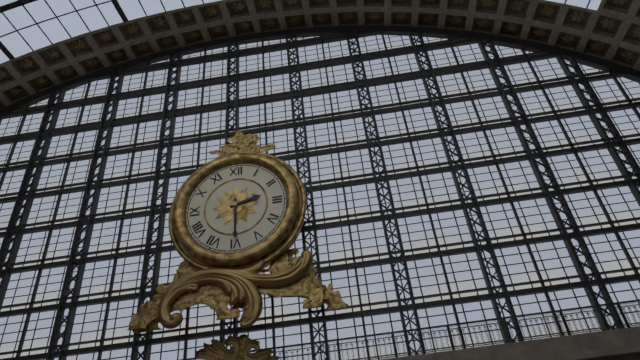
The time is **2:30**
